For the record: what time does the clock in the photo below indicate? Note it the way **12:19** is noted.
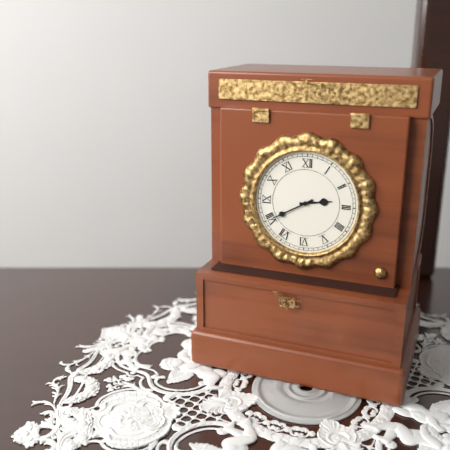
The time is **2:40**
